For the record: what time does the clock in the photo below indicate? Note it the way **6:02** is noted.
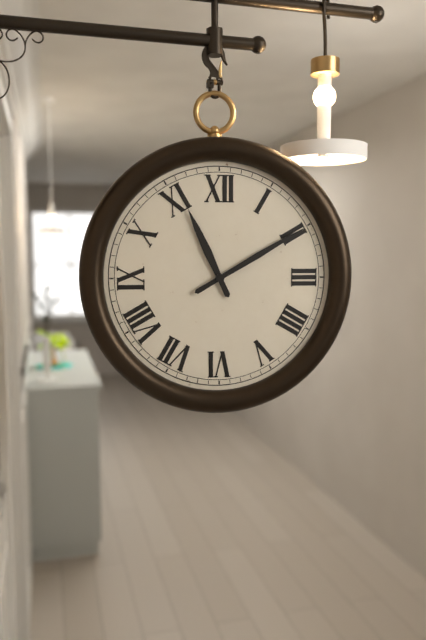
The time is **11:10**
